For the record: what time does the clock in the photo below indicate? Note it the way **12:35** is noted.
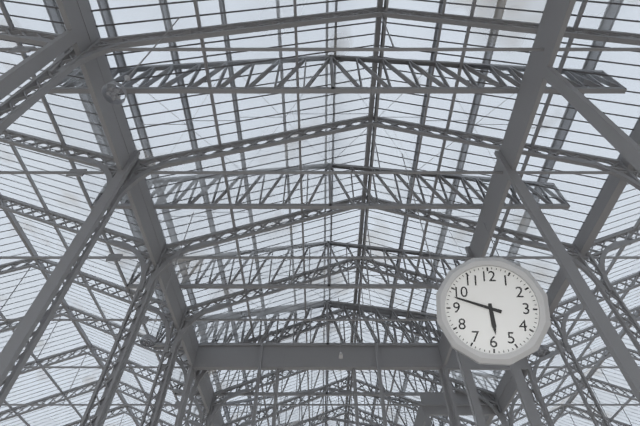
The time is **5:48**
